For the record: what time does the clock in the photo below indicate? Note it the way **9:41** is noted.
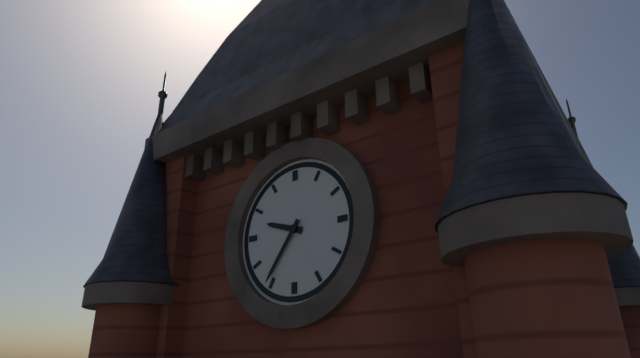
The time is **9:36**
